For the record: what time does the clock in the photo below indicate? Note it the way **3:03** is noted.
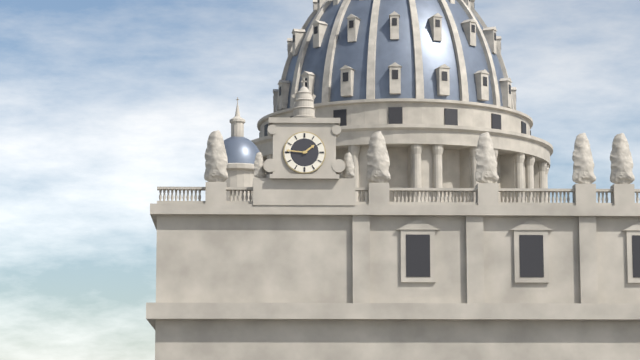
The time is **1:46**
